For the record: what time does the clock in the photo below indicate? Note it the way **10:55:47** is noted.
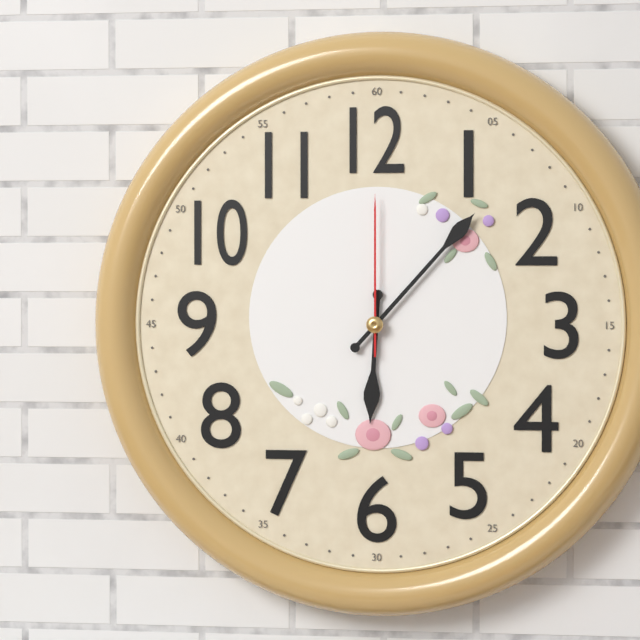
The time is **6:07:00**
